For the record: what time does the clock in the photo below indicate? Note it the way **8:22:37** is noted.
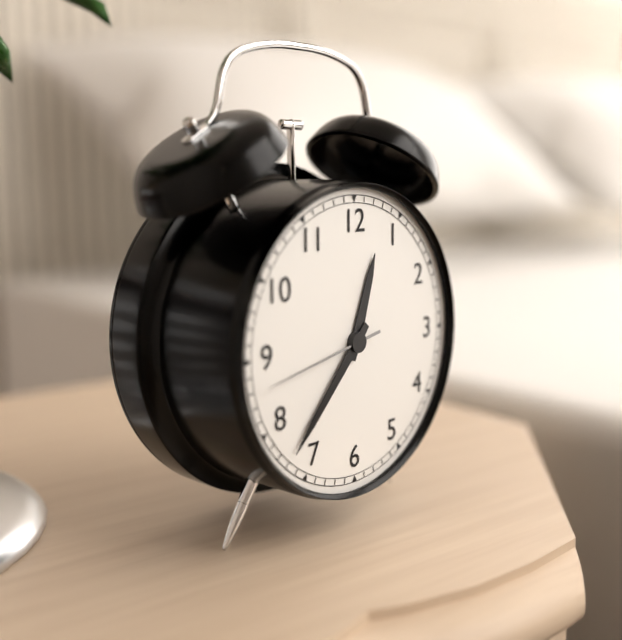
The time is **12:37:43**
